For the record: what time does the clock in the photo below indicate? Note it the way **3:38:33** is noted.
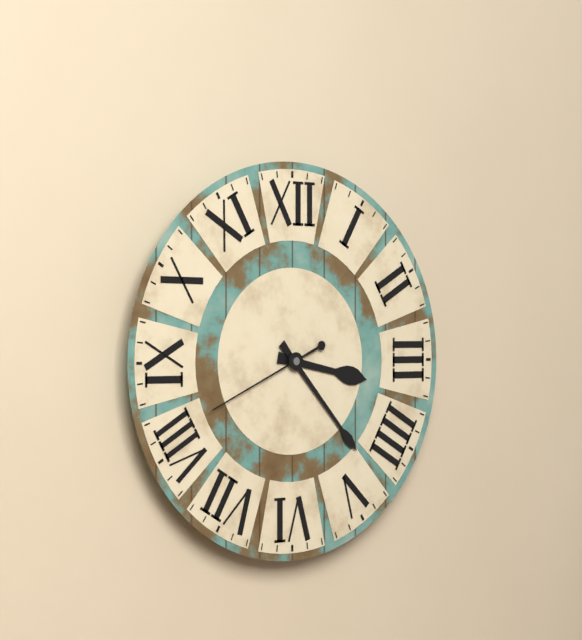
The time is **3:23:41**
